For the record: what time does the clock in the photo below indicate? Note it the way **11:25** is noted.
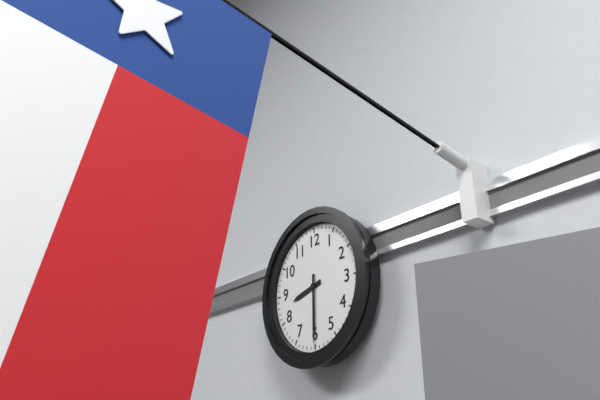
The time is **8:30**
